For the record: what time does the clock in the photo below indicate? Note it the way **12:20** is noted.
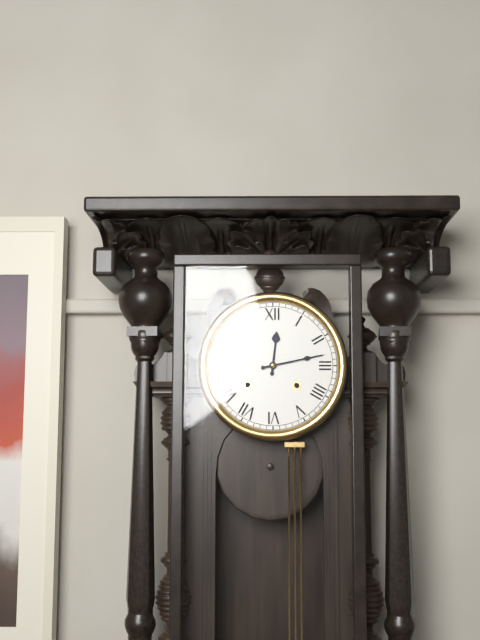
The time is **12:13**
